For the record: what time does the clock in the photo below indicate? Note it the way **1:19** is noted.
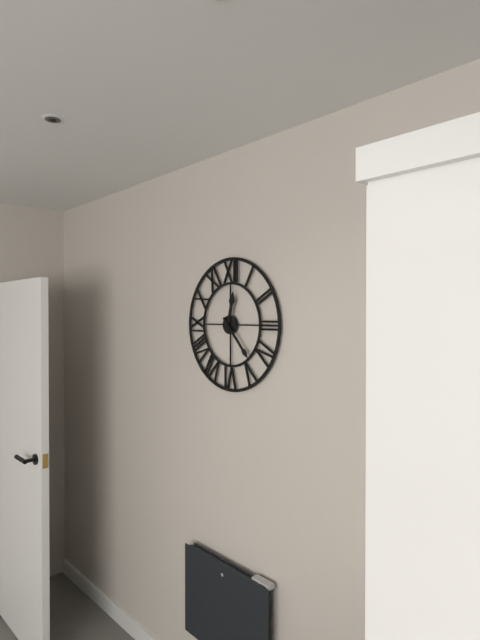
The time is **12:23**
